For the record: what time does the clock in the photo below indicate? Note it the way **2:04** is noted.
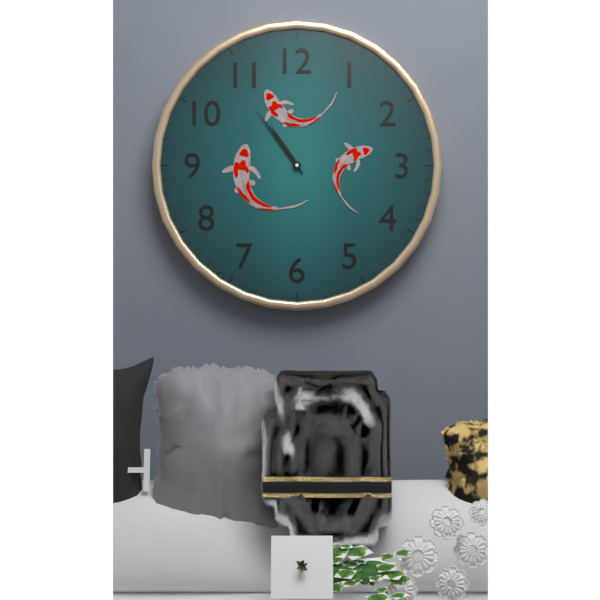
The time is **10:54**
